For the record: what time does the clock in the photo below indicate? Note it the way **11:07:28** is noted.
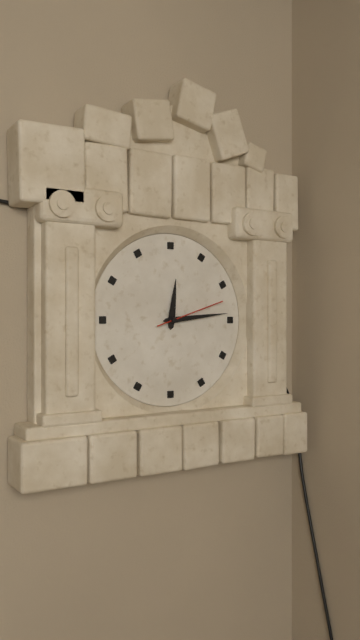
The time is **12:14:12**
